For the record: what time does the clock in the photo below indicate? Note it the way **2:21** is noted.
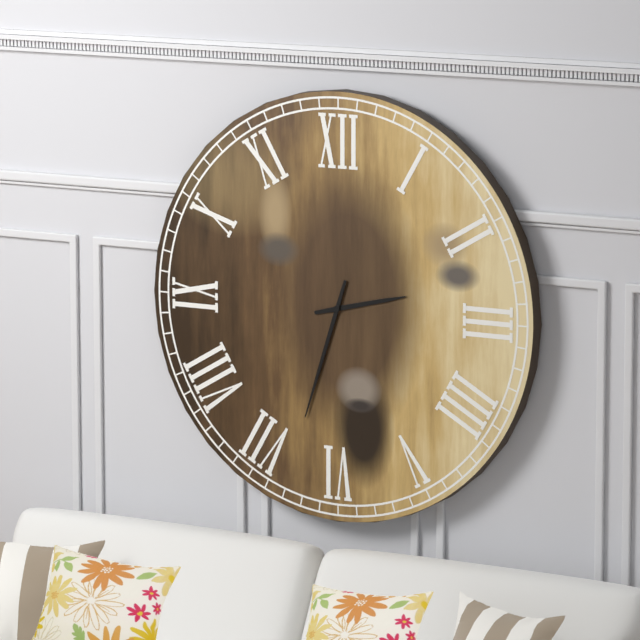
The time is **2:33**
